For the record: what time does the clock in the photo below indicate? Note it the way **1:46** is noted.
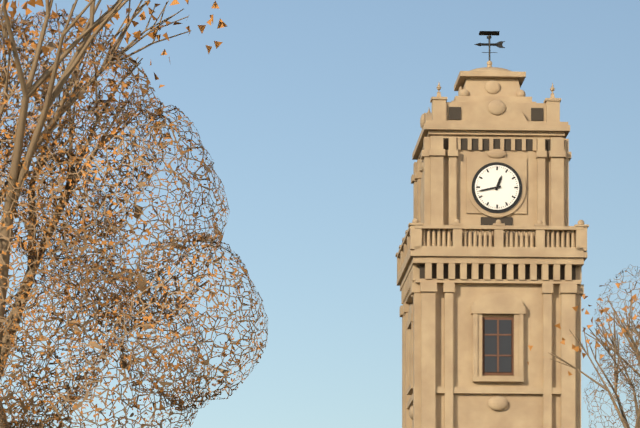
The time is **12:43**
